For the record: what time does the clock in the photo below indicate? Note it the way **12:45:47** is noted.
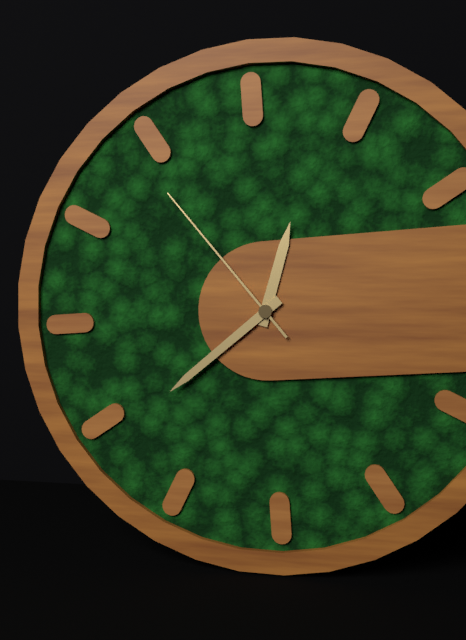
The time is **12:39:54**
